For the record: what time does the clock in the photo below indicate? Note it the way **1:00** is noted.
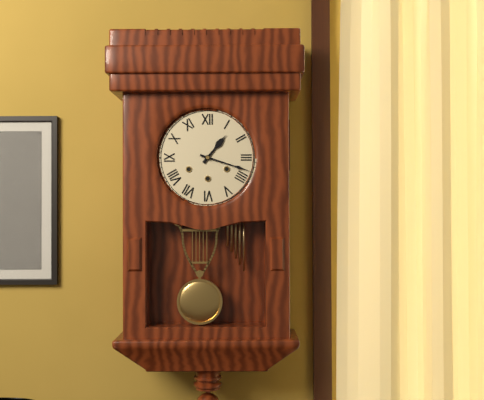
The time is **1:18**
